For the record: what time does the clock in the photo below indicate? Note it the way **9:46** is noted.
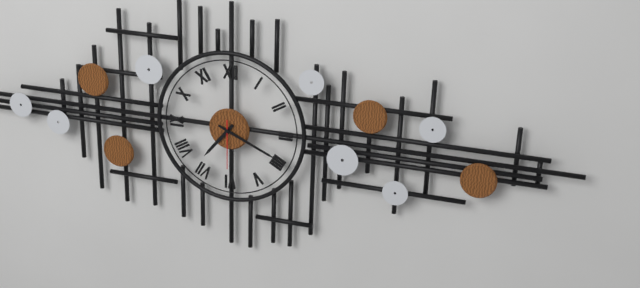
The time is **7:19**
